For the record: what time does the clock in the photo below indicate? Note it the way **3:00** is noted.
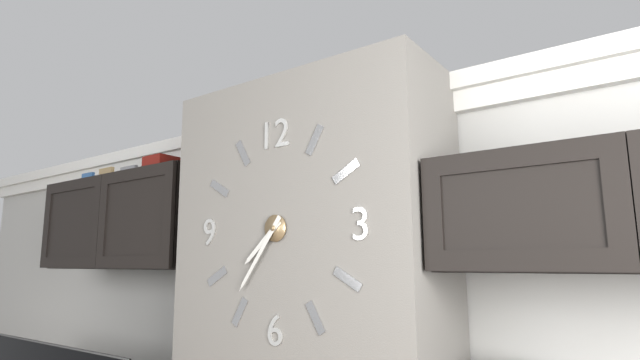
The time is **7:36**
